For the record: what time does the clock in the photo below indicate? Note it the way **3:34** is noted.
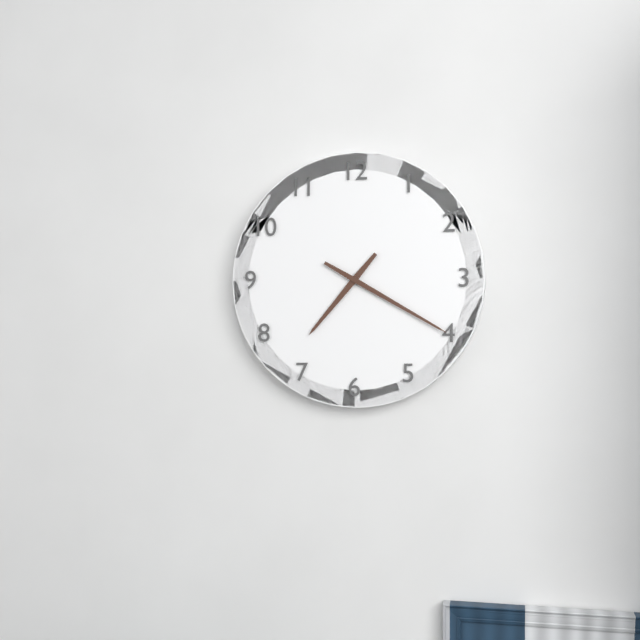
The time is **7:20**
